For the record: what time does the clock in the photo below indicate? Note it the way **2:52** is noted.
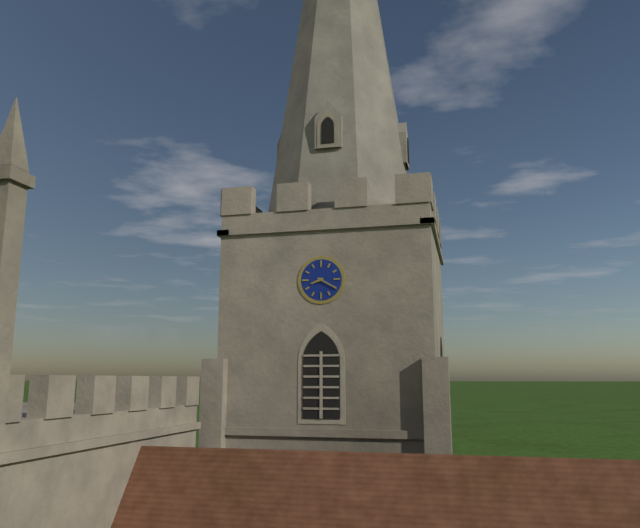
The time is **8:20**
